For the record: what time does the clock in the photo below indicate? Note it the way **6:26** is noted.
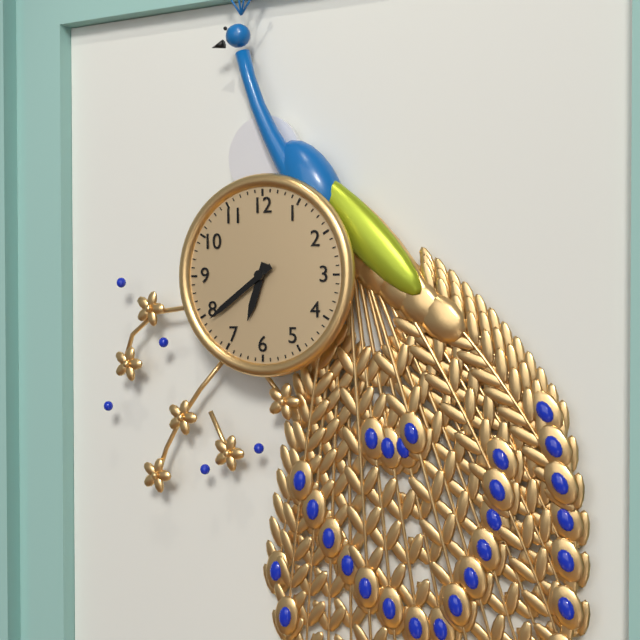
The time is **6:39**
